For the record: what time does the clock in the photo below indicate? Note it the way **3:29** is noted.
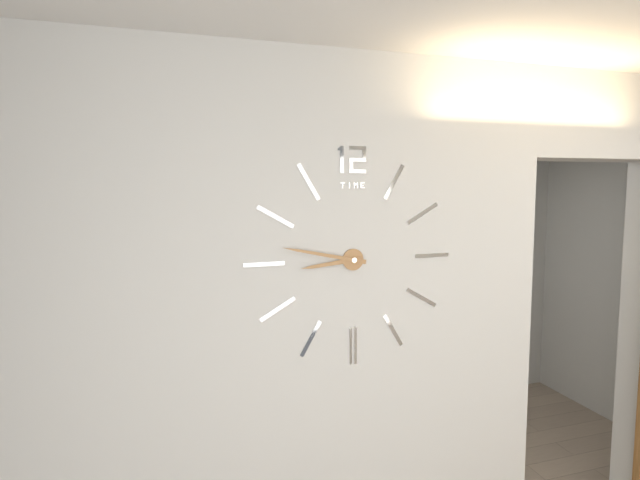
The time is **8:47**
